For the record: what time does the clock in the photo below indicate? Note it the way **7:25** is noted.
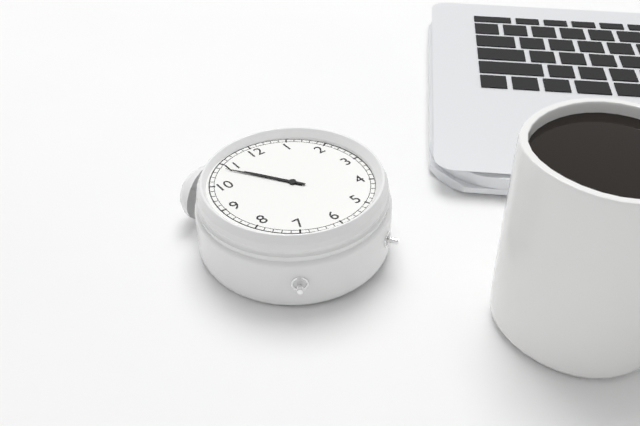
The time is **10:54**
